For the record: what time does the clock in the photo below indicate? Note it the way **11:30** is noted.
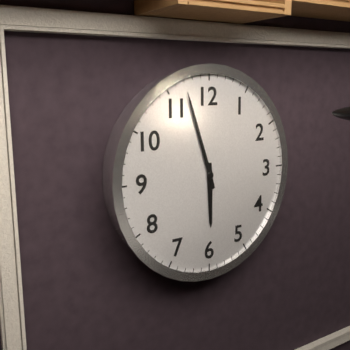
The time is **5:57**
